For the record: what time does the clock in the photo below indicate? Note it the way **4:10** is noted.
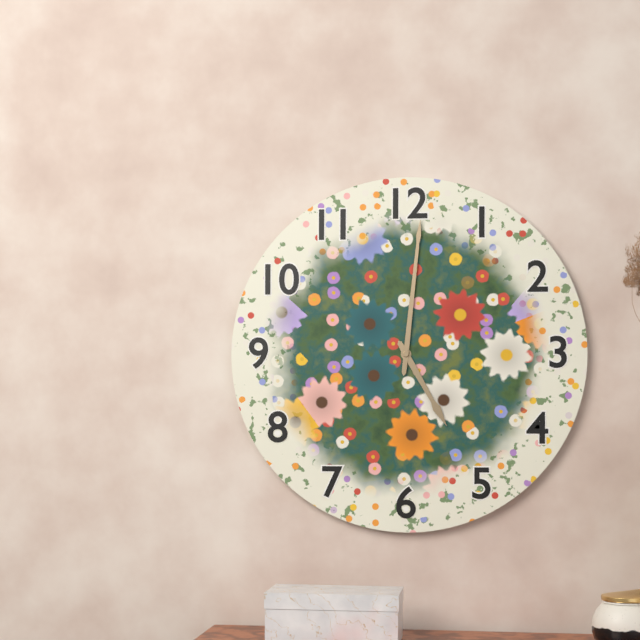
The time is **5:01**
